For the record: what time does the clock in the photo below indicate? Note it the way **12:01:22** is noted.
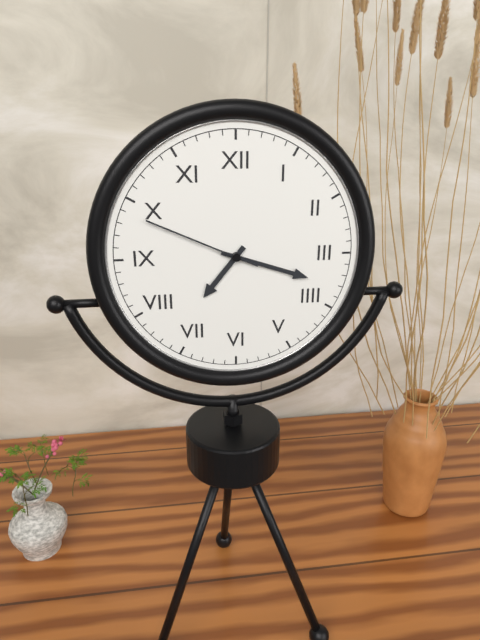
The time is **7:18:49**
